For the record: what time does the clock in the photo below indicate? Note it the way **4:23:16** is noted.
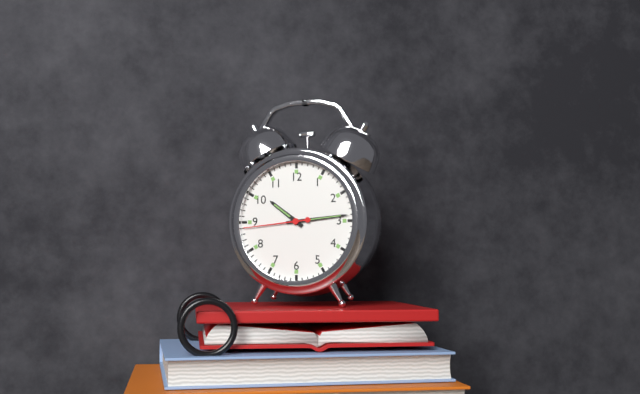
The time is **10:14:44**
